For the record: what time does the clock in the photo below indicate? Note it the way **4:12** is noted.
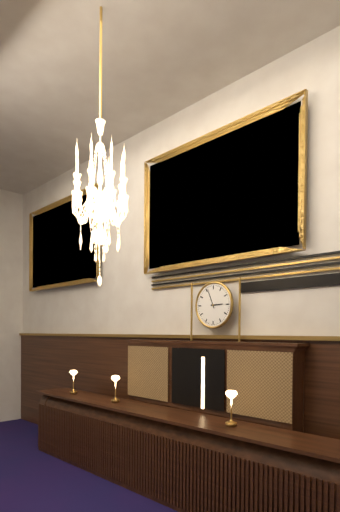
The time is **2:56**
